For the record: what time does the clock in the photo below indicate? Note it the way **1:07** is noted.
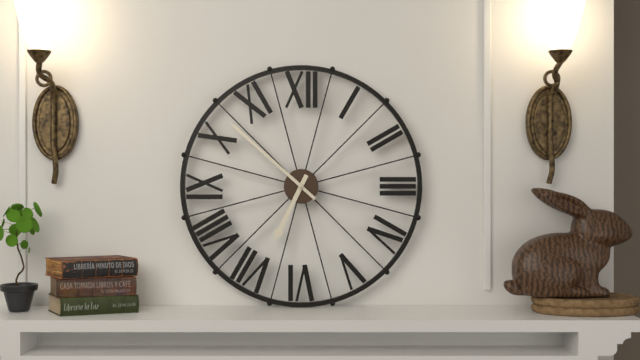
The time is **6:52**
